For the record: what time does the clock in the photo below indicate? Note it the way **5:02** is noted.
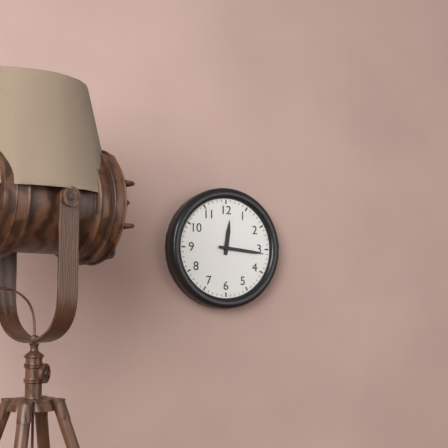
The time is **12:16**
